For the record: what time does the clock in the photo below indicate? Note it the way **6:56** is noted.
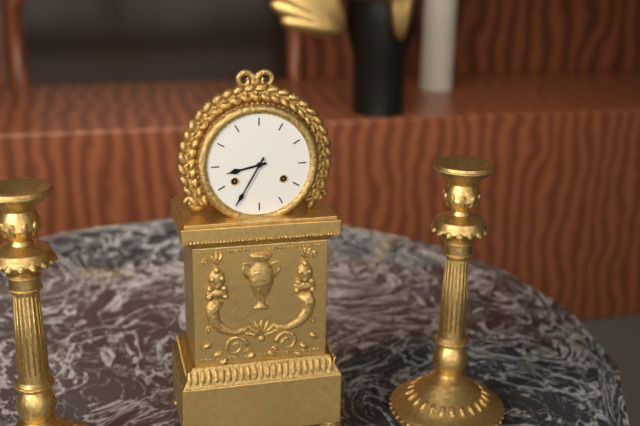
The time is **8:35**
